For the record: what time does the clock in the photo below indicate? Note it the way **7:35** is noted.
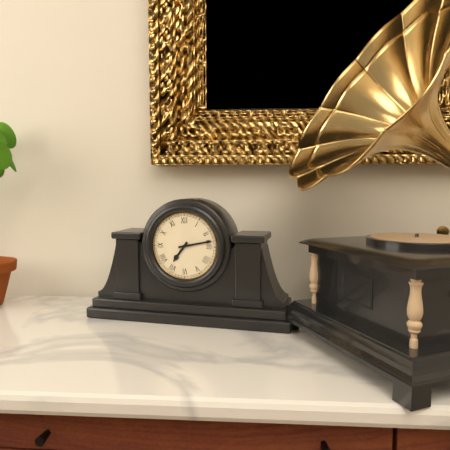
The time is **7:13**
